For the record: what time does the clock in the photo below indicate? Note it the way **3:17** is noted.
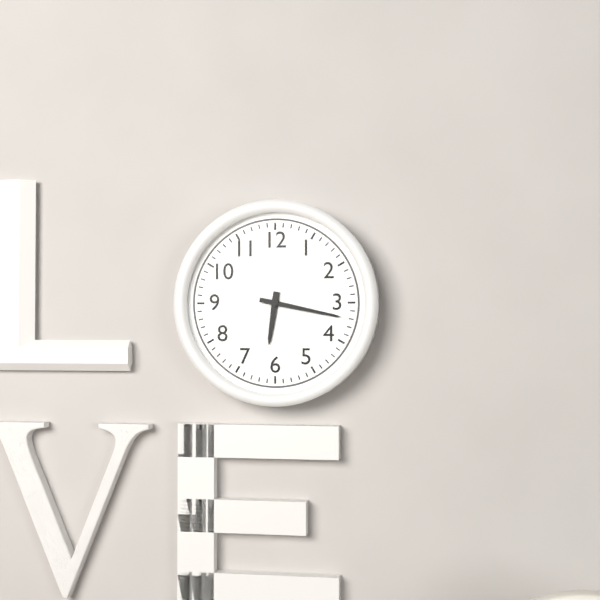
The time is **6:17**
